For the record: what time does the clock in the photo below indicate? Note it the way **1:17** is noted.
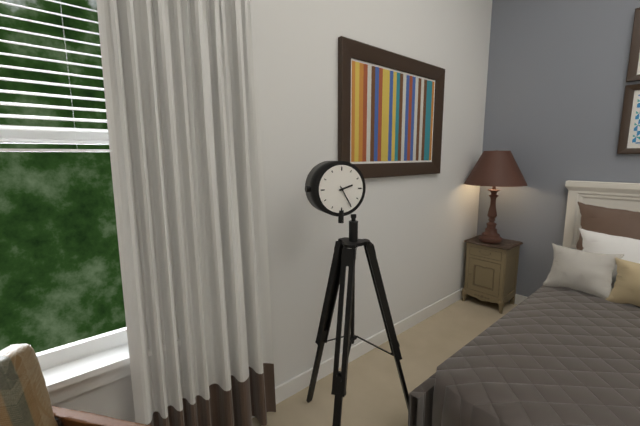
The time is **2:25**
